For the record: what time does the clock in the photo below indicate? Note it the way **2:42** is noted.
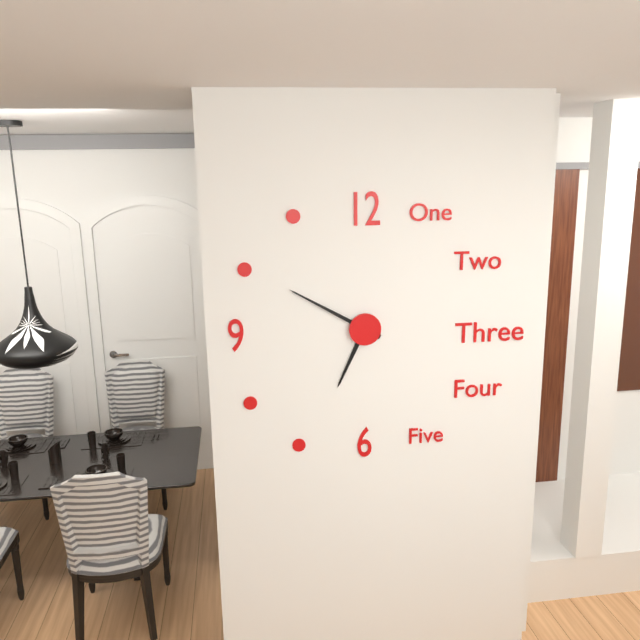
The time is **6:50**
